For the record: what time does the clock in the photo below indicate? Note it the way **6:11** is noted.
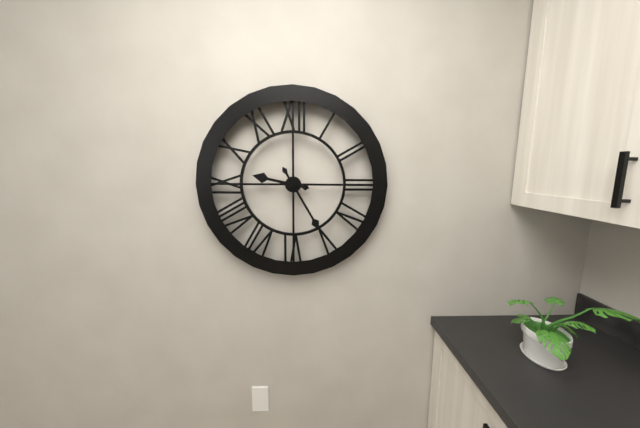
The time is **9:25**
